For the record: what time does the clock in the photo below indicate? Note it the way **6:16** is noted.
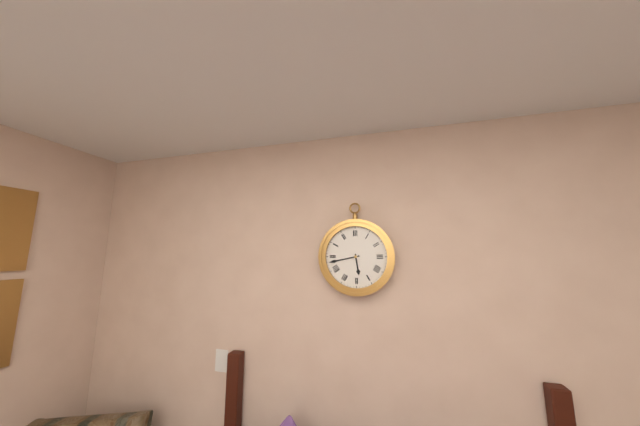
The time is **5:43**
